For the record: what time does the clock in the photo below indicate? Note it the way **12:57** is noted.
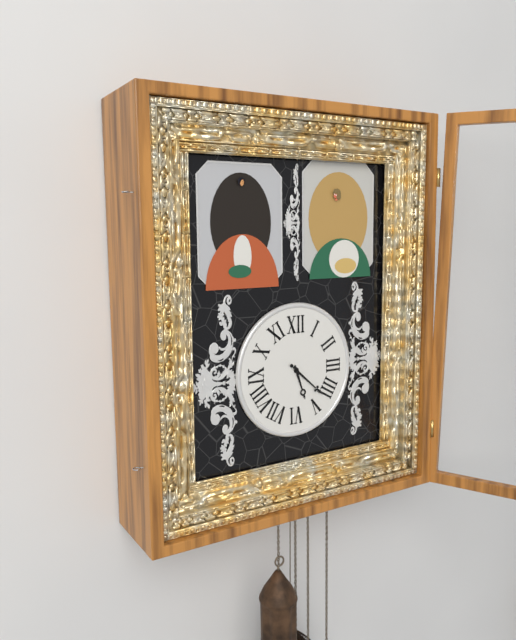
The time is **5:22**
